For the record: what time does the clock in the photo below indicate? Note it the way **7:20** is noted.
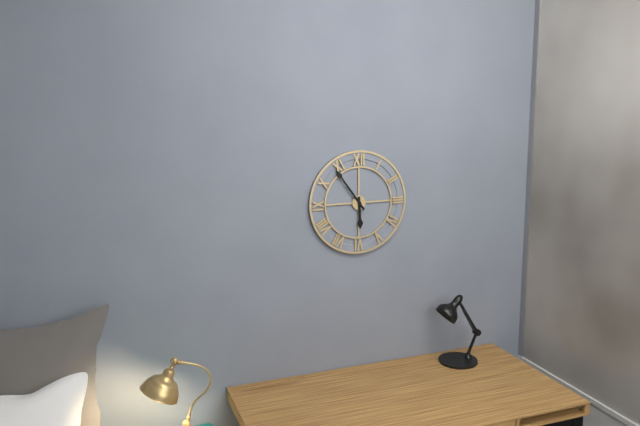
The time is **5:54**
